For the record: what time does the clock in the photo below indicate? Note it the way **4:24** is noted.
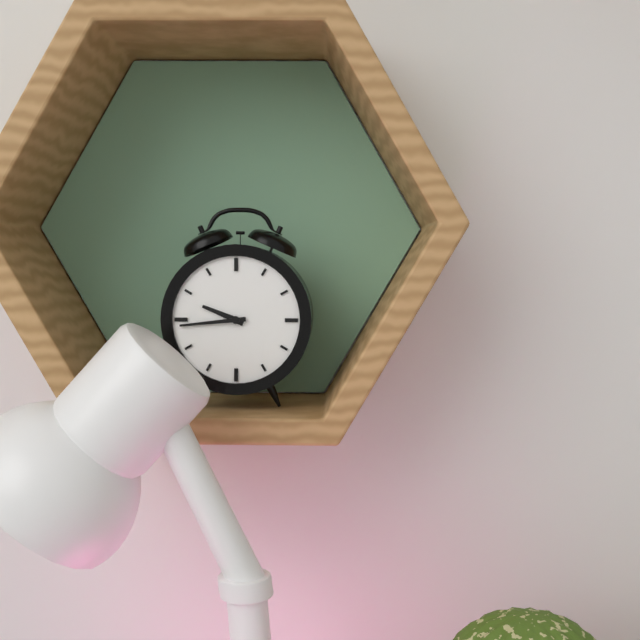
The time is **9:44**
